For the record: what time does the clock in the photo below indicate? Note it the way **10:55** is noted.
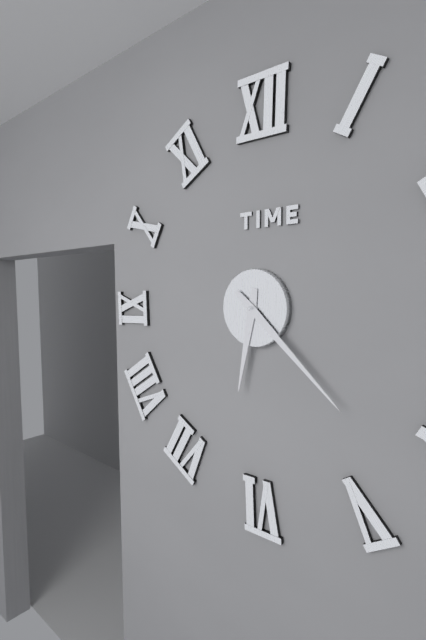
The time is **6:22**
